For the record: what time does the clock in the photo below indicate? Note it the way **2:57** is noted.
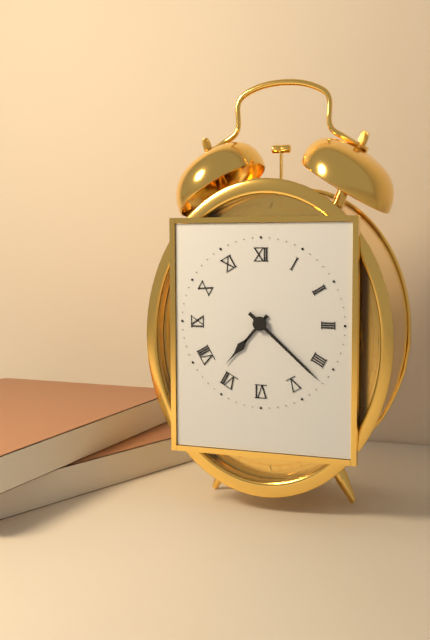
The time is **7:22**
